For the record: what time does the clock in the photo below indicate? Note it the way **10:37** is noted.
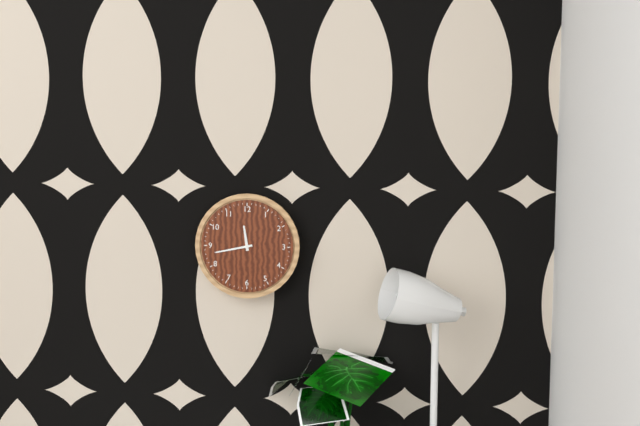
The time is **11:43**
